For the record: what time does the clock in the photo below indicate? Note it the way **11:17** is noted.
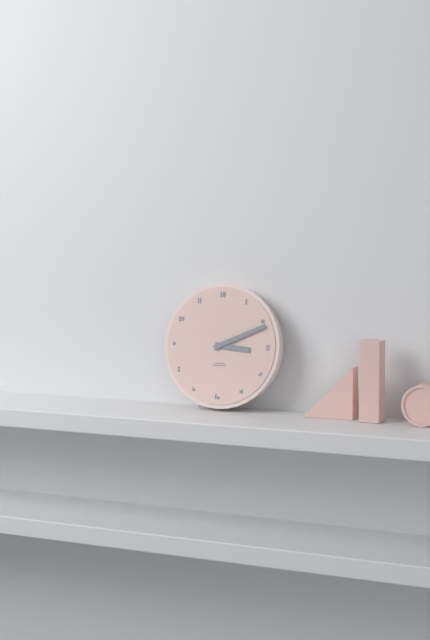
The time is **3:11**
